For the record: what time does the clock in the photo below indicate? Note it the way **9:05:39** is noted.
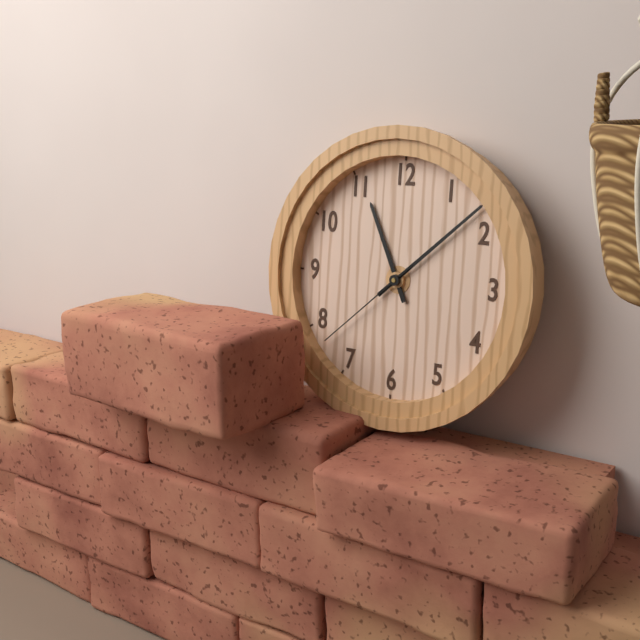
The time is **11:08:38**
